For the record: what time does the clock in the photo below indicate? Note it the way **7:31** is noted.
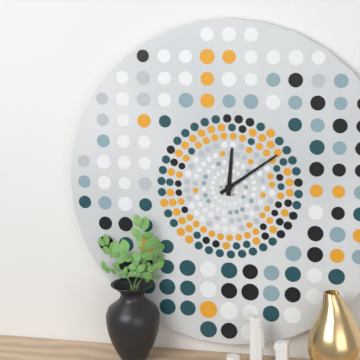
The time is **12:09**
